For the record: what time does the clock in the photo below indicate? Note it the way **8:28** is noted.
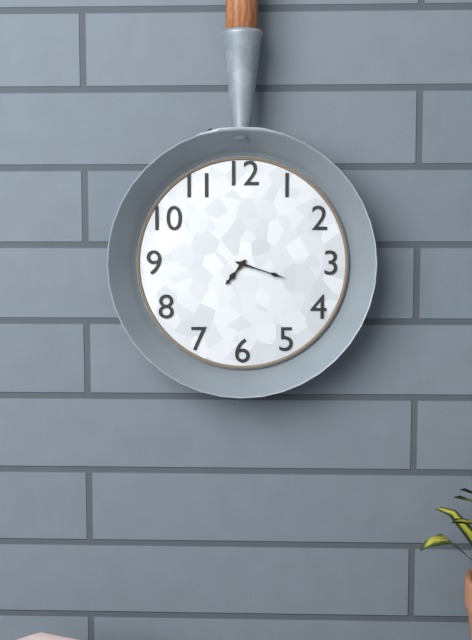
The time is **7:18**
